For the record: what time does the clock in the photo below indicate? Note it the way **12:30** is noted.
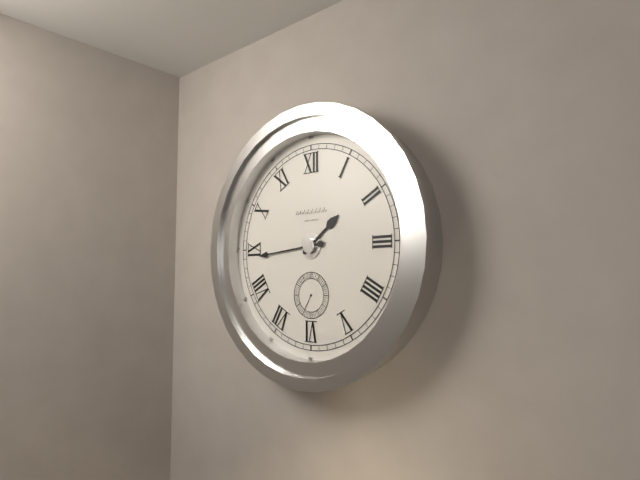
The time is **1:44**
